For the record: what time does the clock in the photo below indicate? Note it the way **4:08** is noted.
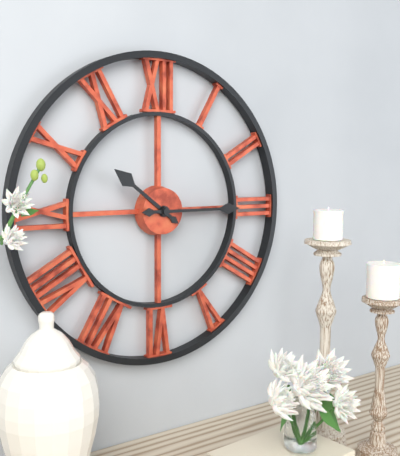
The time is **10:15**
